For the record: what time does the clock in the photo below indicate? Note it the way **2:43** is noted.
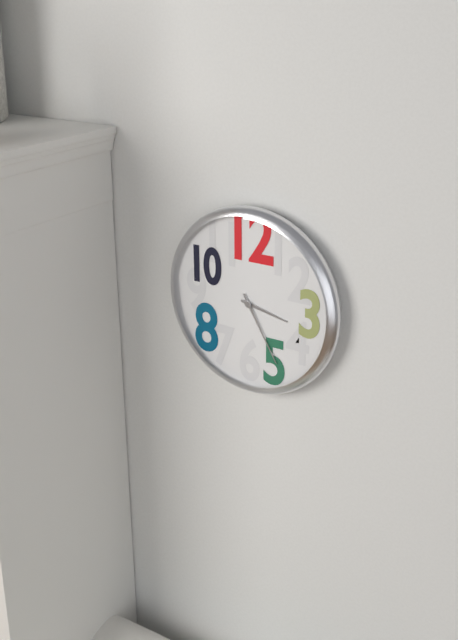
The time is **3:25**
